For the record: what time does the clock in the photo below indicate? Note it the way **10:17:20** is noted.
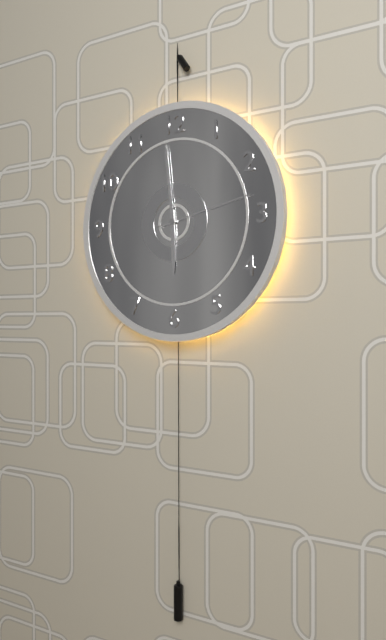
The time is **5:59:13**
